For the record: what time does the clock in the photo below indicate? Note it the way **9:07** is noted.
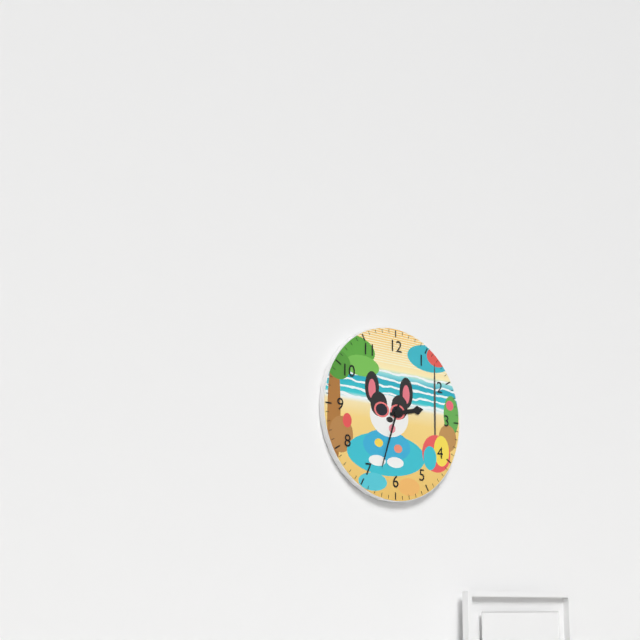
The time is **2:33**
